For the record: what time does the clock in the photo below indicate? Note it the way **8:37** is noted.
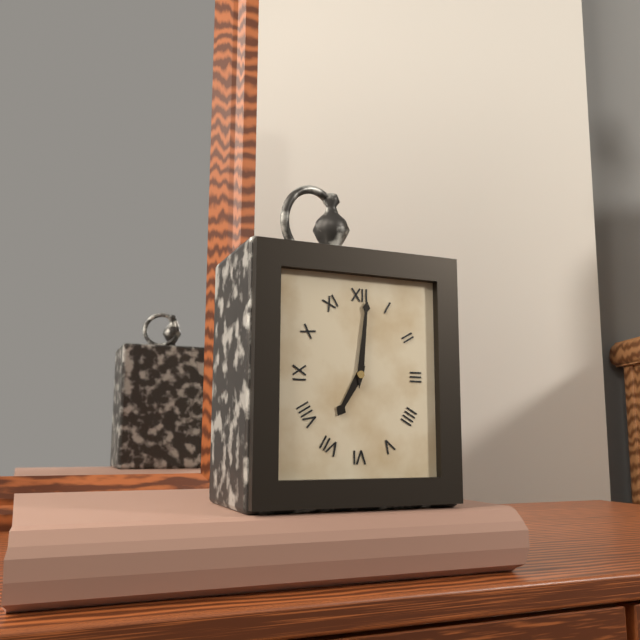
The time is **7:01**
